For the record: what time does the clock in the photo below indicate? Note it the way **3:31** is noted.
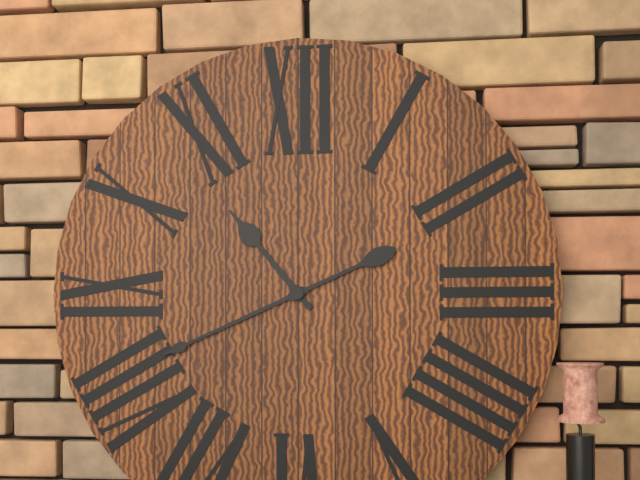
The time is **10:41**
